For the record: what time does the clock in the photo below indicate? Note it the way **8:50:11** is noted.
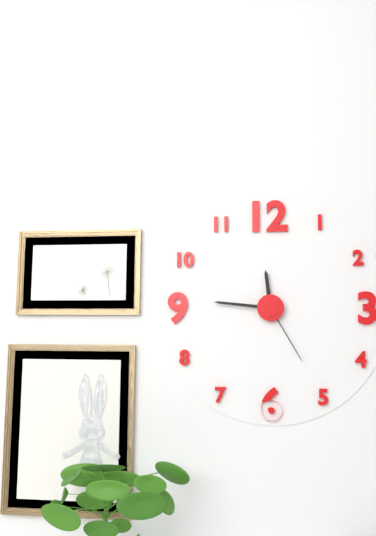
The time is **11:46:25**
